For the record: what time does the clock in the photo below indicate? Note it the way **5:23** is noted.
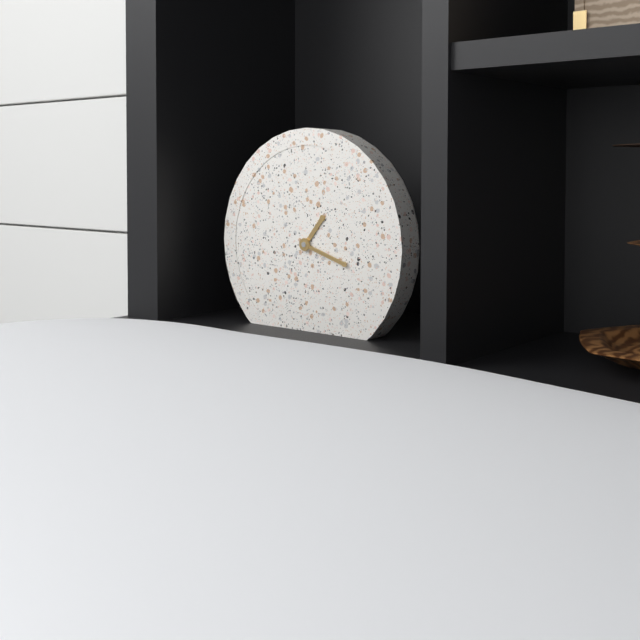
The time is **1:18**
